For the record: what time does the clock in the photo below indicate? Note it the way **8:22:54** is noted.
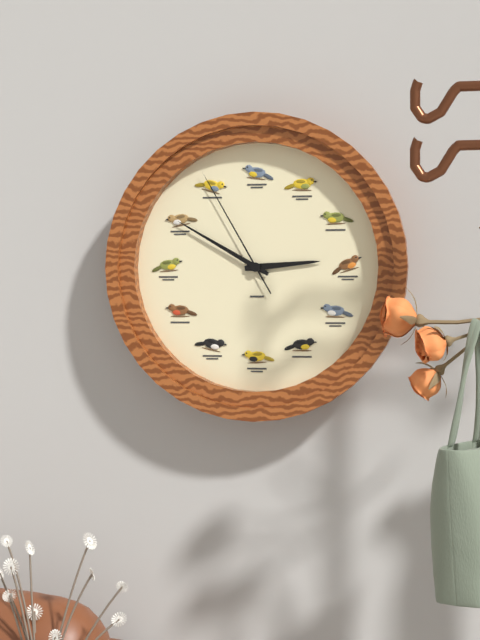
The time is **2:50:55**
